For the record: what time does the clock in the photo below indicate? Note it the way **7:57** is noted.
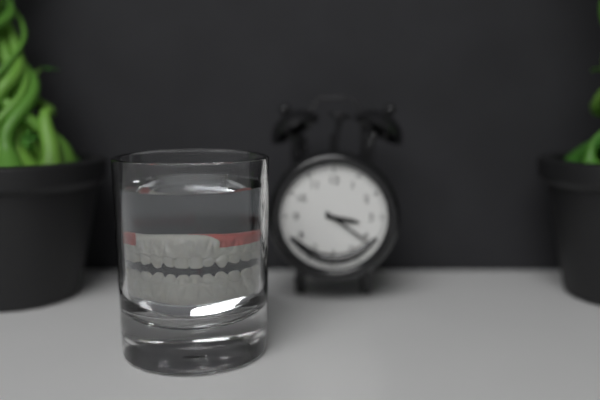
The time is **3:21**
